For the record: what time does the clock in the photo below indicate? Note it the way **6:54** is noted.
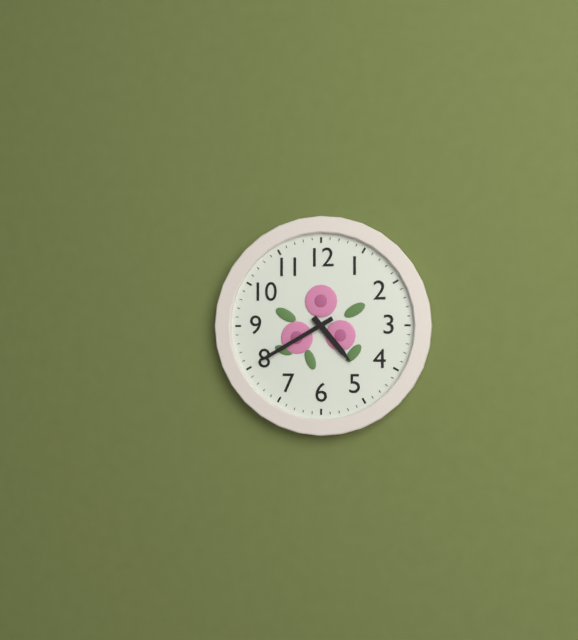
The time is **4:40**
